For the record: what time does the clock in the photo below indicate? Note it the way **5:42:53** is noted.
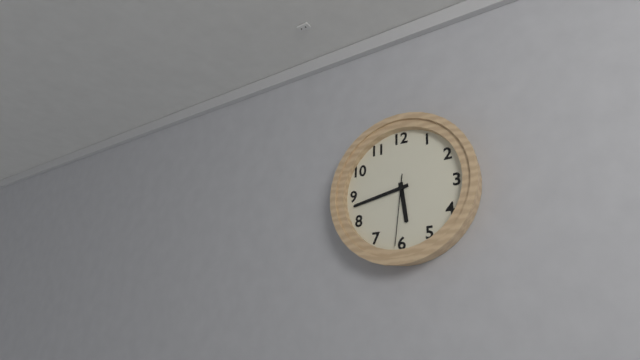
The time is **5:43:31**
